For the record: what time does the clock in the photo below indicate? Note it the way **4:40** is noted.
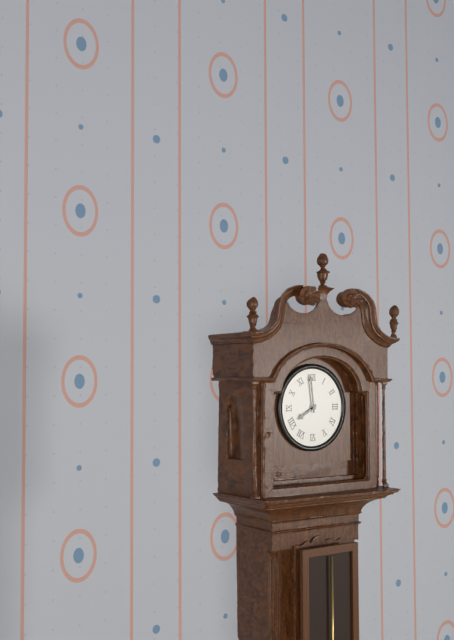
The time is **7:59**
